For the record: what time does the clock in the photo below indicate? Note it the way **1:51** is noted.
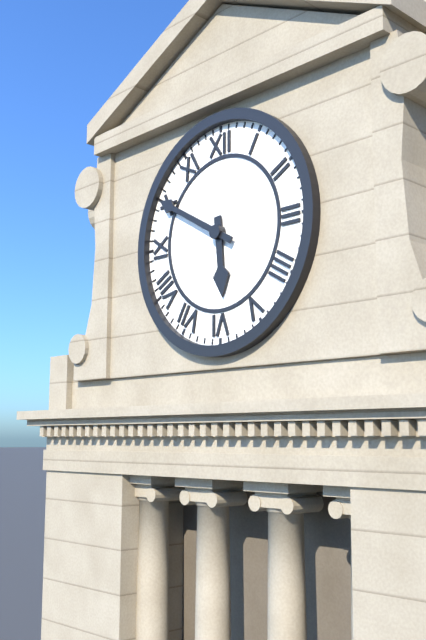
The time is **5:50**
